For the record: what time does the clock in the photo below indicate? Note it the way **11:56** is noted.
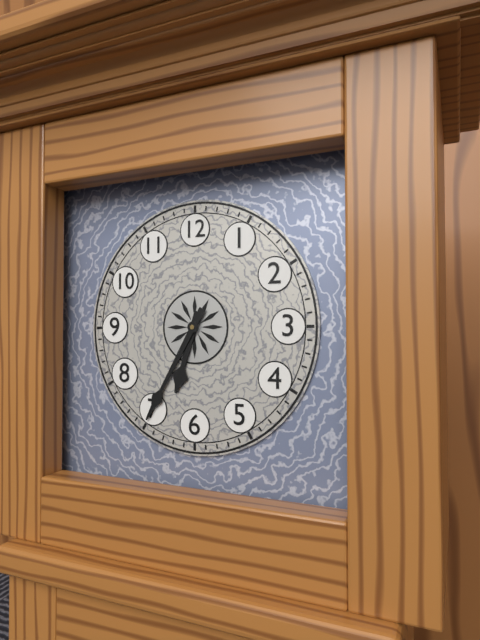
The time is **6:35**
